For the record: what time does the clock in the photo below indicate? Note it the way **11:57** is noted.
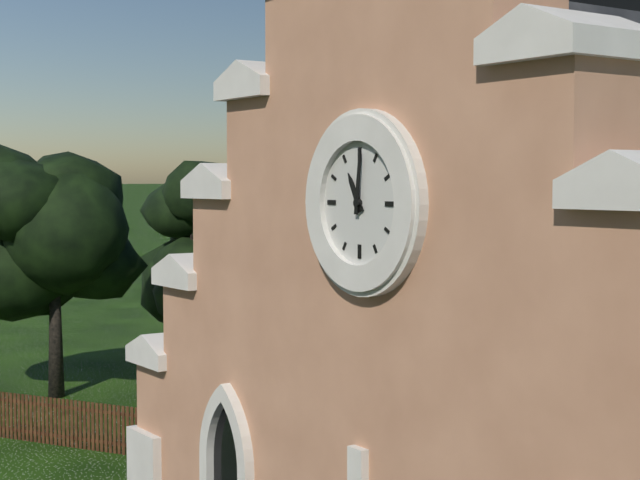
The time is **11:01**
